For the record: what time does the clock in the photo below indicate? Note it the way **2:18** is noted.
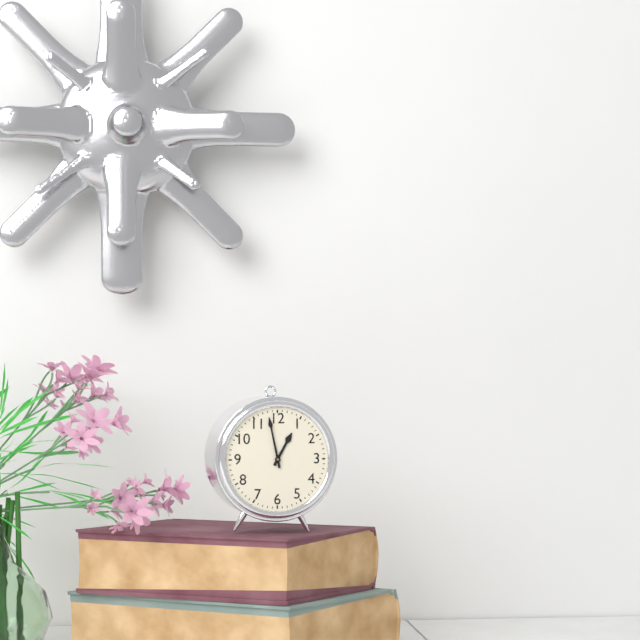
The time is **12:58**
